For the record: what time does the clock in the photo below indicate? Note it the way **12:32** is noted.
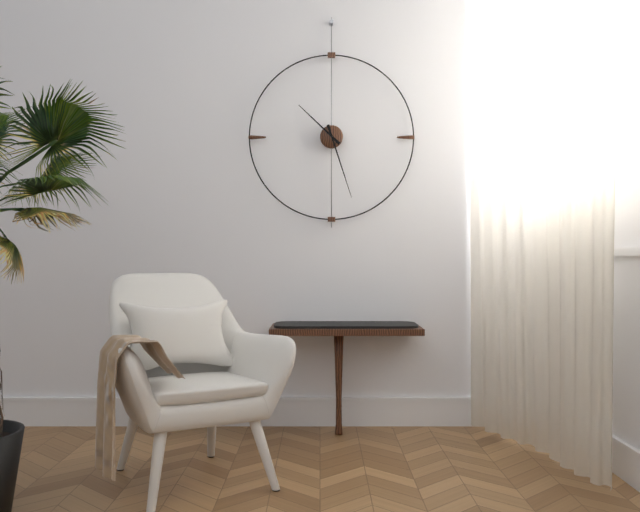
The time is **10:27**
